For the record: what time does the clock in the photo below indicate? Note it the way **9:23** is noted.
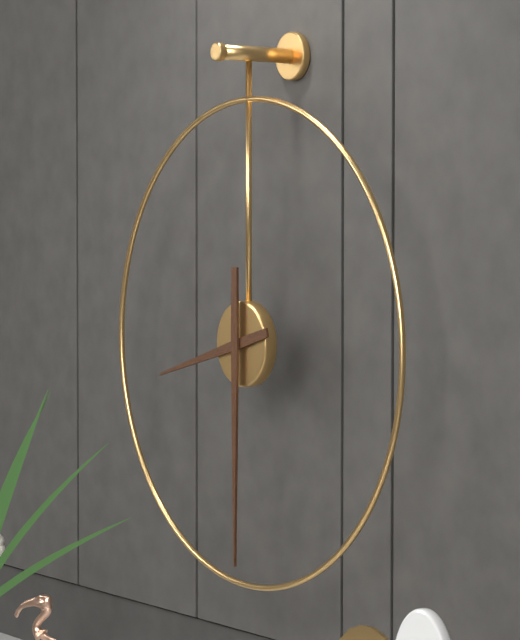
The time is **8:30**
